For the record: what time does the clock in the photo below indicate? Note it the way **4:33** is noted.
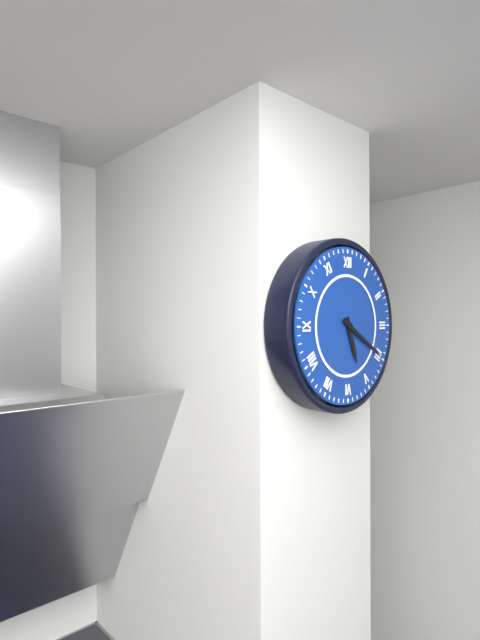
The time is **5:20**
